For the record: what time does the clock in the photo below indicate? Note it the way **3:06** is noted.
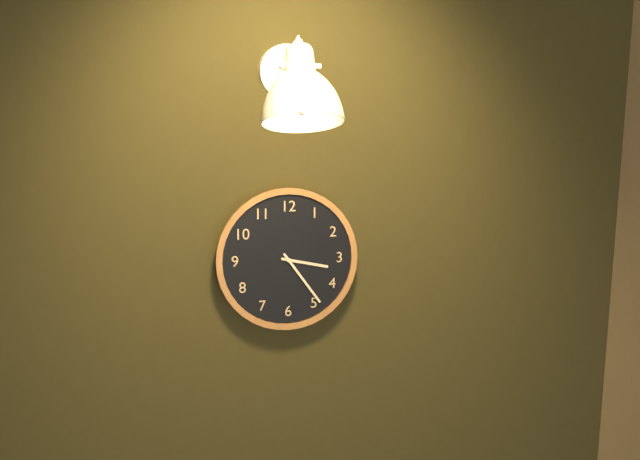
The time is **3:24**
